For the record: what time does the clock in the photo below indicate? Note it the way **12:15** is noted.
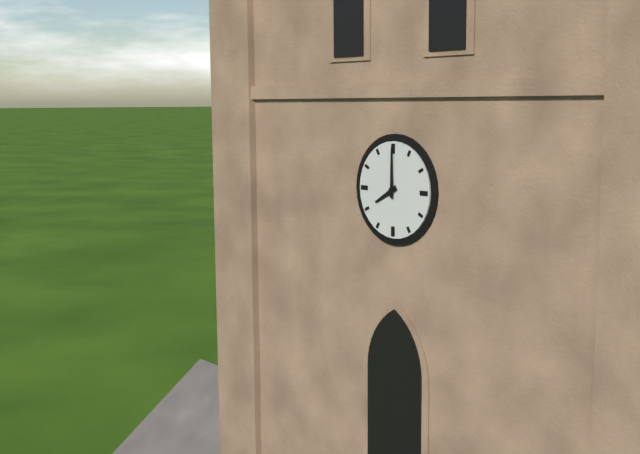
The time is **8:00**
